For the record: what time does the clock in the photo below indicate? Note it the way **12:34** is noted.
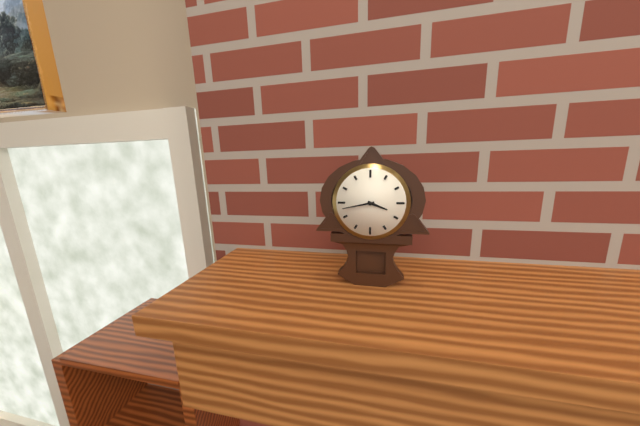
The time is **3:43**
